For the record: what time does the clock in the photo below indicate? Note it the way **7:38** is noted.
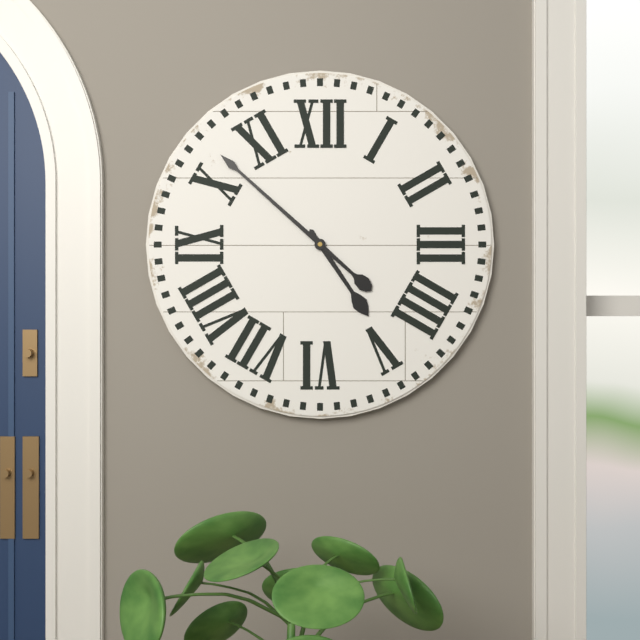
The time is **4:52**
